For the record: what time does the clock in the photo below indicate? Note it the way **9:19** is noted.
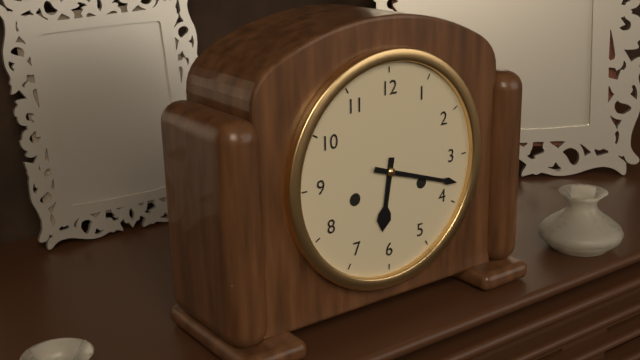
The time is **6:18**
